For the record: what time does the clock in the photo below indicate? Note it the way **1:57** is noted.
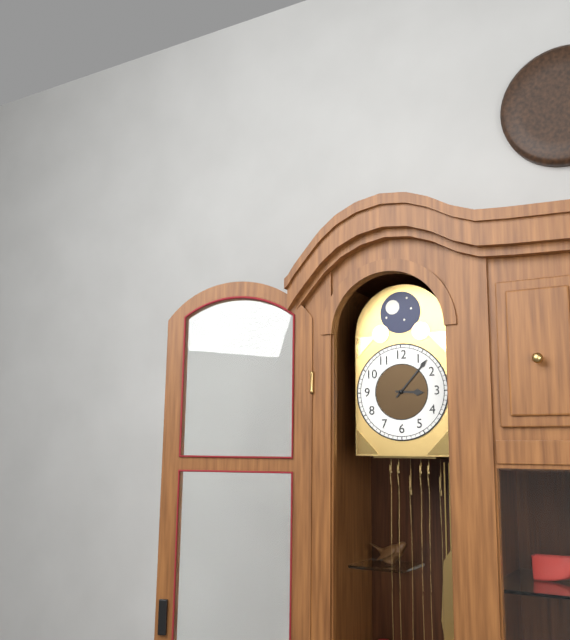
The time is **3:07**
